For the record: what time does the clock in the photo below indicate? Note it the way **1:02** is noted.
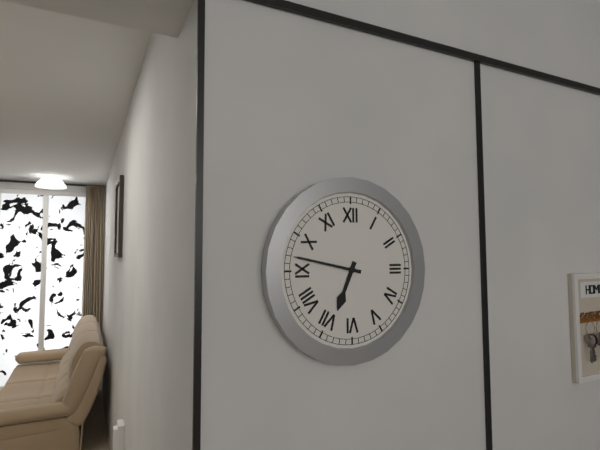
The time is **6:47**
